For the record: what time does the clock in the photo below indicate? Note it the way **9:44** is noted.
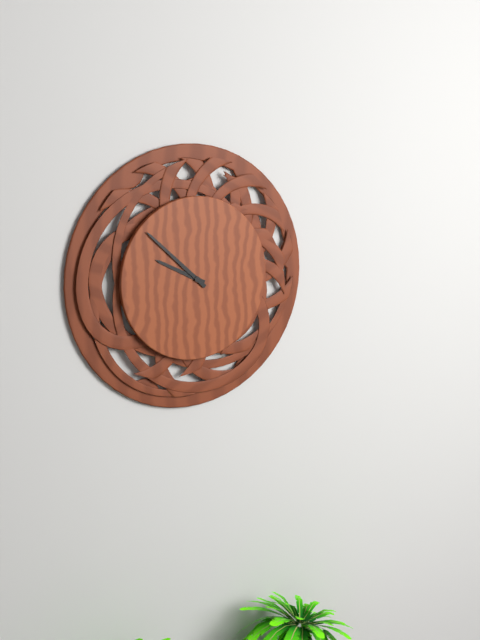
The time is **9:52**
